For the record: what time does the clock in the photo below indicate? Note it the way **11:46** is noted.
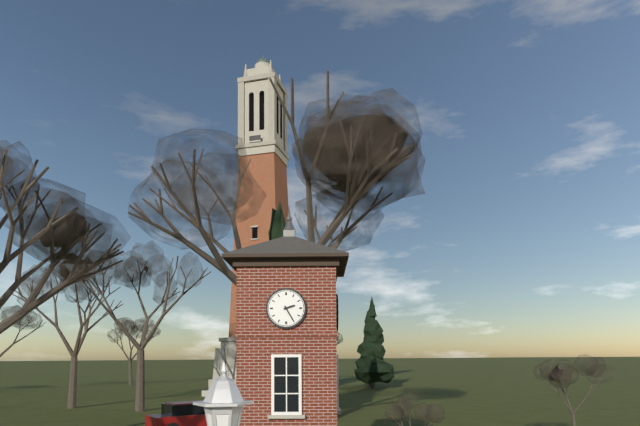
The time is **2:25**
